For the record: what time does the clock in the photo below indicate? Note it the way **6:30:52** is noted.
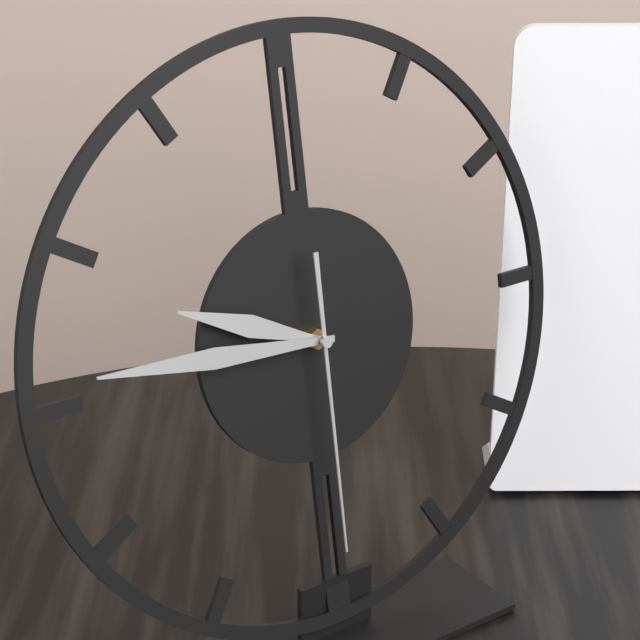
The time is **9:46:30**
